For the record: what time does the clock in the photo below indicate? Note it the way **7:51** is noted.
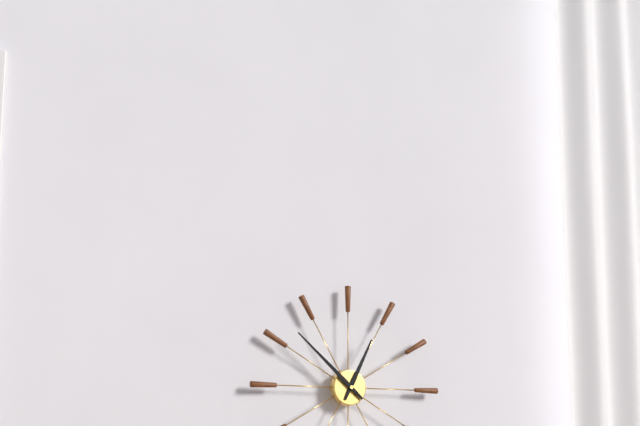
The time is **12:52**
